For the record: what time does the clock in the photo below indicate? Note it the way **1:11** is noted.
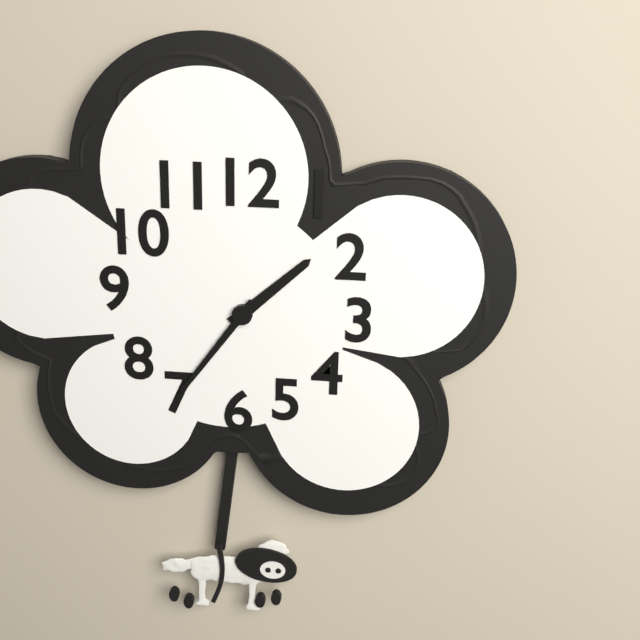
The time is **1:36**
